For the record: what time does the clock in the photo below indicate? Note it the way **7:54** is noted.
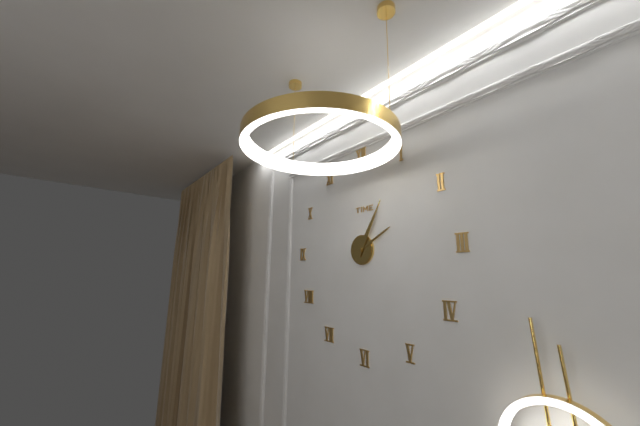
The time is **2:05**
